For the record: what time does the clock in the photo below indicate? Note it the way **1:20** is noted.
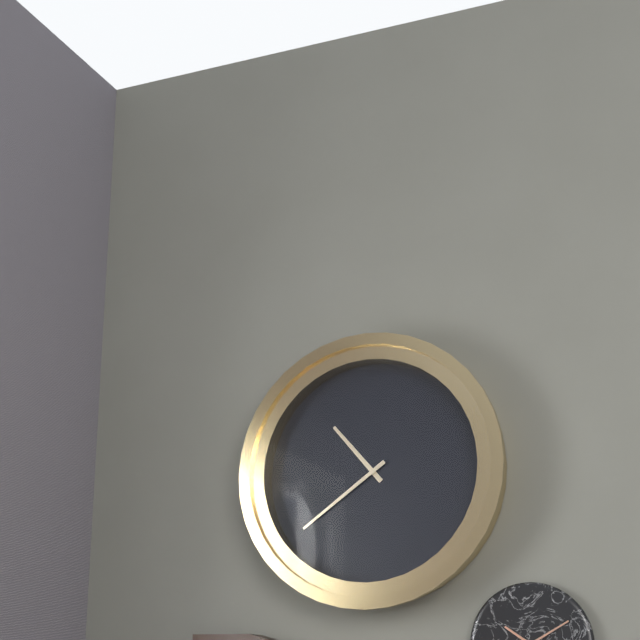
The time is **10:39**
